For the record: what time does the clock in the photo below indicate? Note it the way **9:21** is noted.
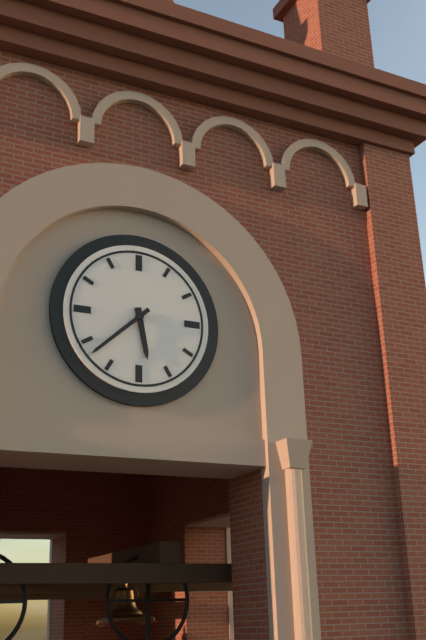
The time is **5:38**
